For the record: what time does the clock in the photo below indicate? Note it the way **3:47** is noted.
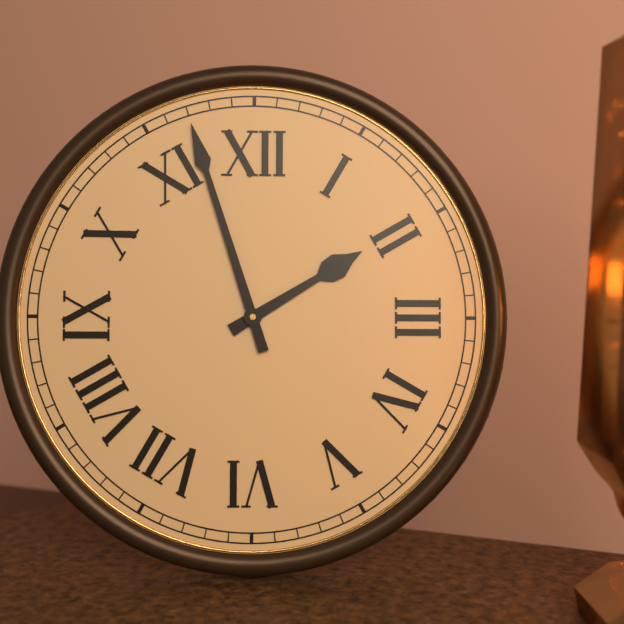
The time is **1:57**
